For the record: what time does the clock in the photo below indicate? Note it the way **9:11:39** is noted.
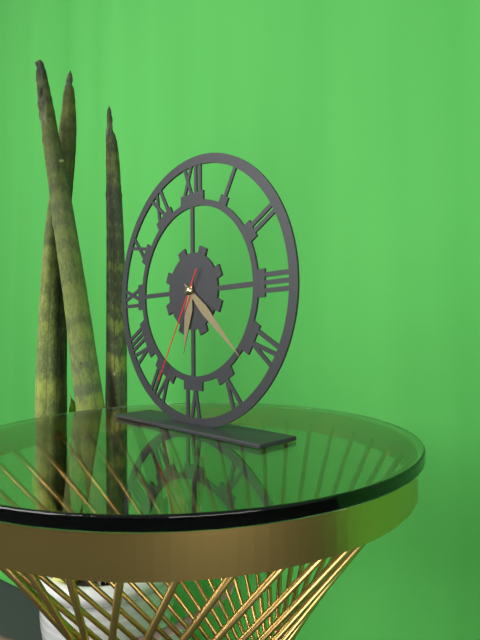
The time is **6:22:35**
